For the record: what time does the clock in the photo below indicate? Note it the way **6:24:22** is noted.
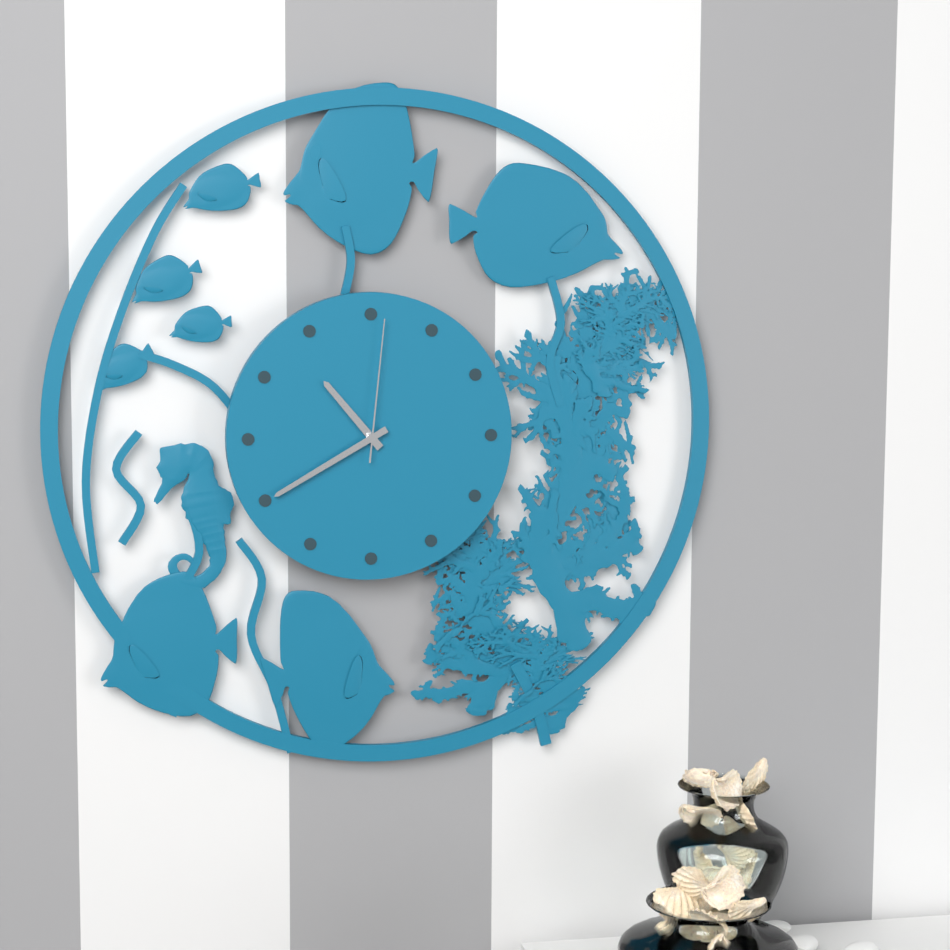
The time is **10:40:01**
